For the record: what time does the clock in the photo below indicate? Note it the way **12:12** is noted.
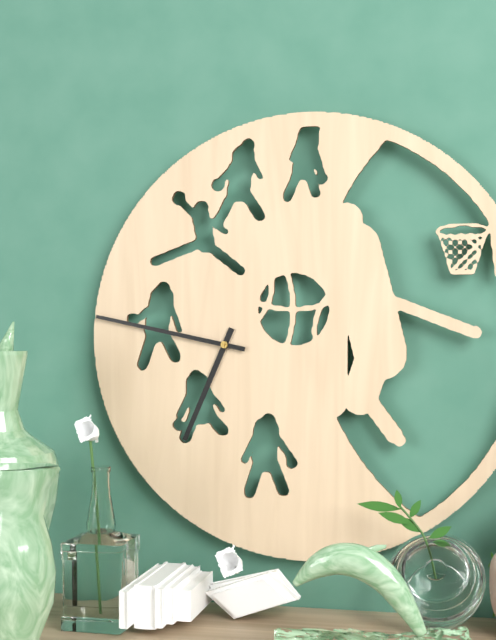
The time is **6:47**
